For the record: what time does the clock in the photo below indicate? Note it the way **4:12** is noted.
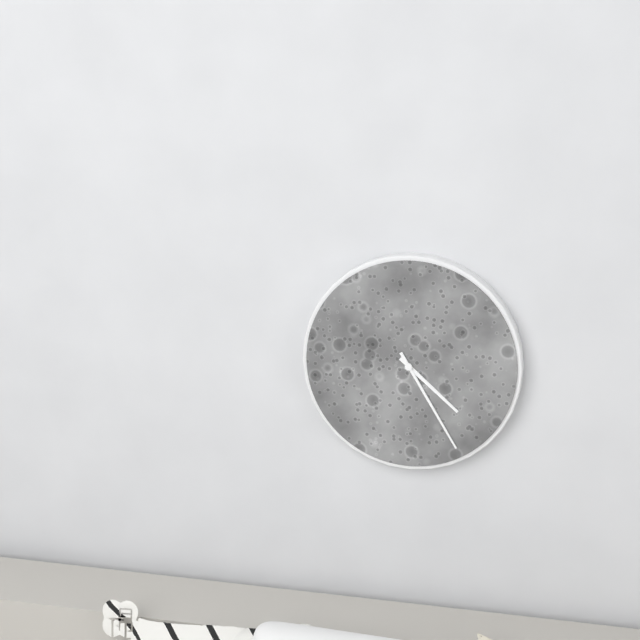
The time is **4:25**
